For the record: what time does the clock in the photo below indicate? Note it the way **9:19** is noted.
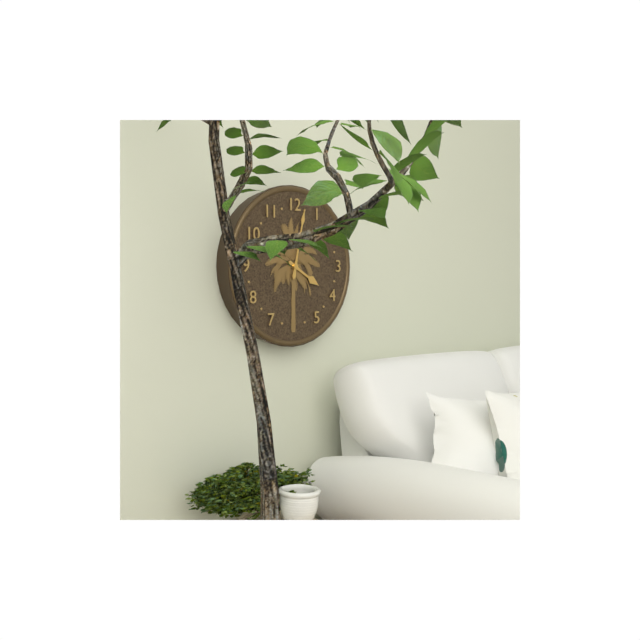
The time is **4:02**
